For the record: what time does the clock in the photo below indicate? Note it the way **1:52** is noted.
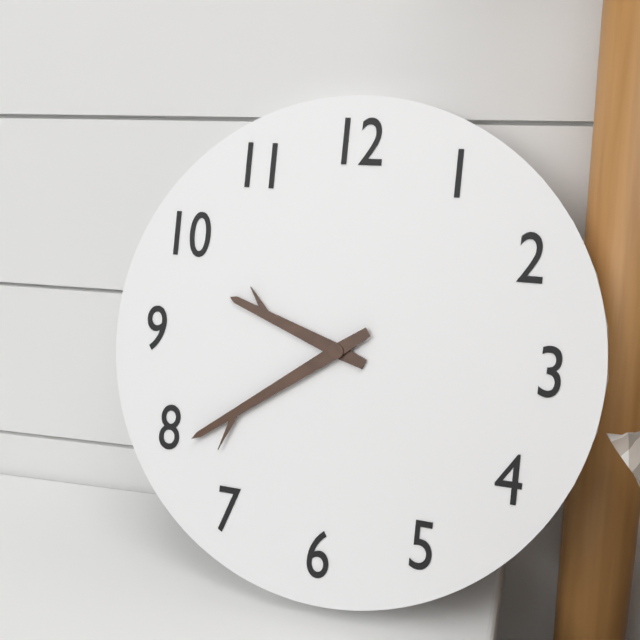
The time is **9:39**
